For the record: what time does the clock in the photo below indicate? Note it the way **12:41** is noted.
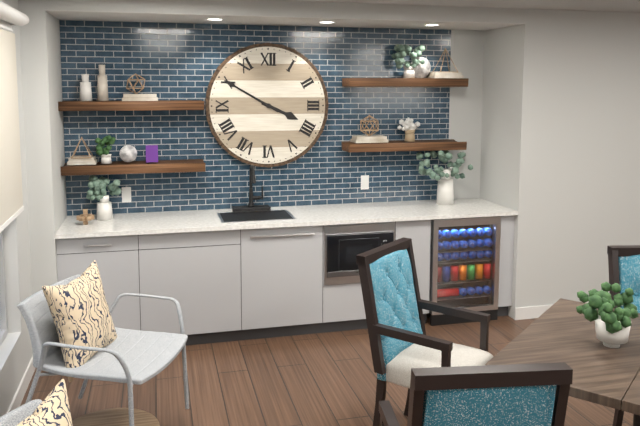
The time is **3:50**
